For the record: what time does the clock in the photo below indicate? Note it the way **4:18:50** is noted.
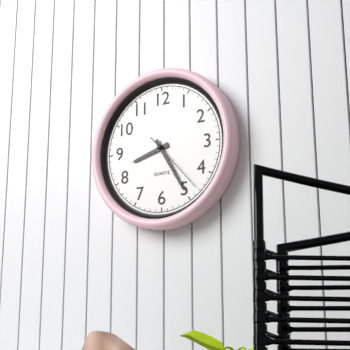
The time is **8:25:23**
